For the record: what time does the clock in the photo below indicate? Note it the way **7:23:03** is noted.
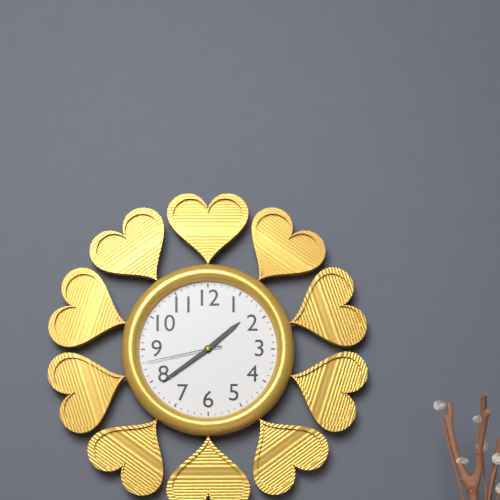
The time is **1:39:43**
